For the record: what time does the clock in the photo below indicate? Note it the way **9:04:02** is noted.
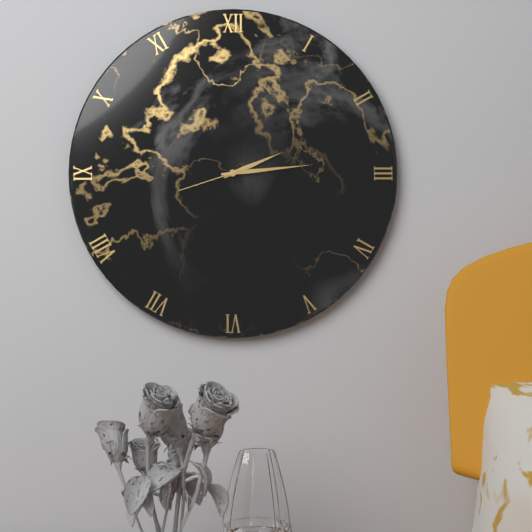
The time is **2:14:42**
